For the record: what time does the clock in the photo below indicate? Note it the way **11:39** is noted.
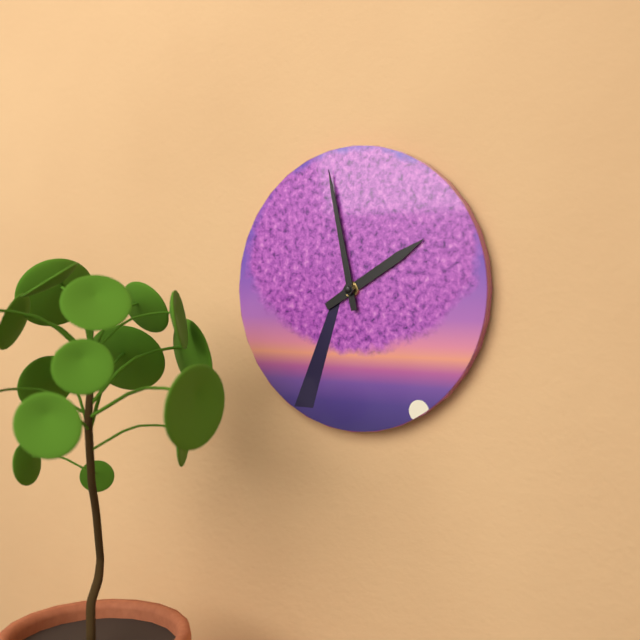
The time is **1:58**
